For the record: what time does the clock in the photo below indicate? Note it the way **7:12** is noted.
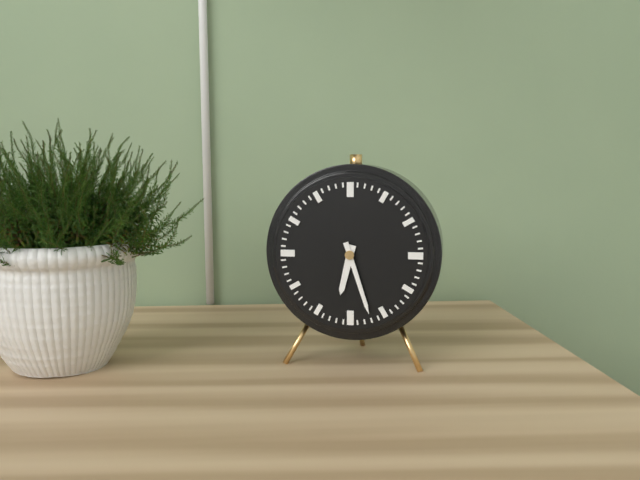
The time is **6:27**
